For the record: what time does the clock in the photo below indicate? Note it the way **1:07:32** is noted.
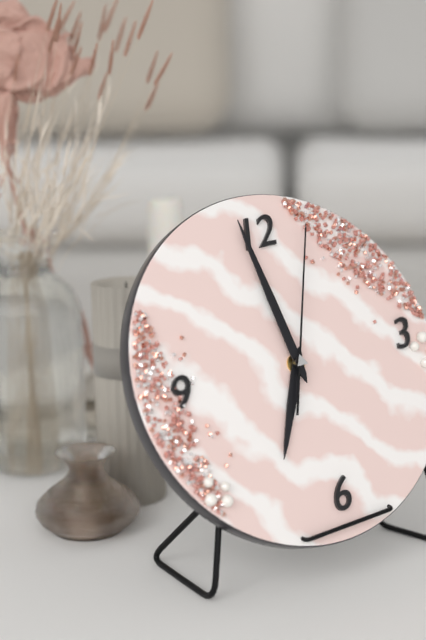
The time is **6:59:04**
